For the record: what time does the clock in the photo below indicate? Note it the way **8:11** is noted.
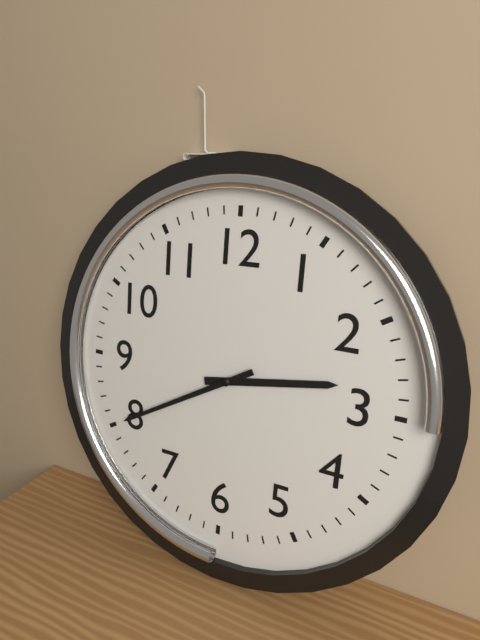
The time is **2:40**
